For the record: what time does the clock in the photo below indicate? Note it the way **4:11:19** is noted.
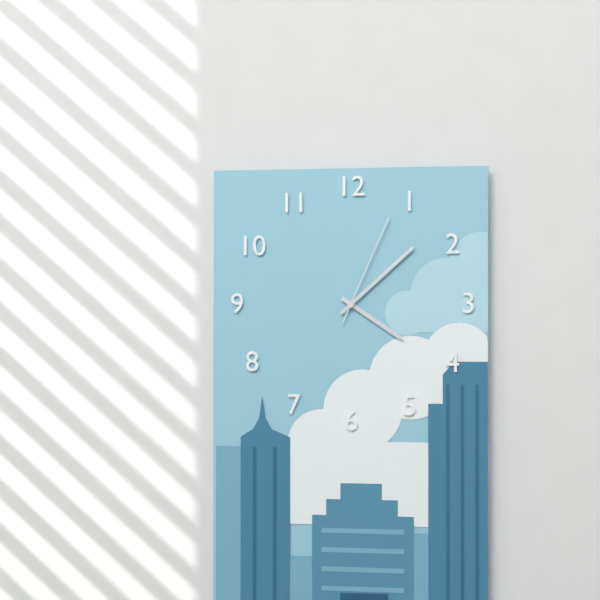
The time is **4:08:04**
